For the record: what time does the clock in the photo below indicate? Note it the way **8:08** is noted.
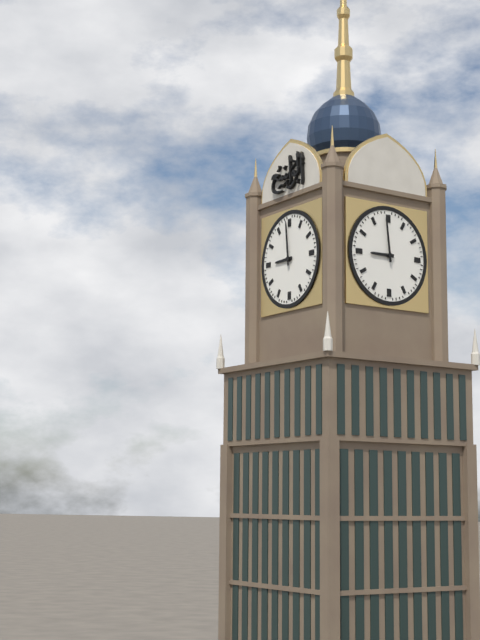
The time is **8:59**
